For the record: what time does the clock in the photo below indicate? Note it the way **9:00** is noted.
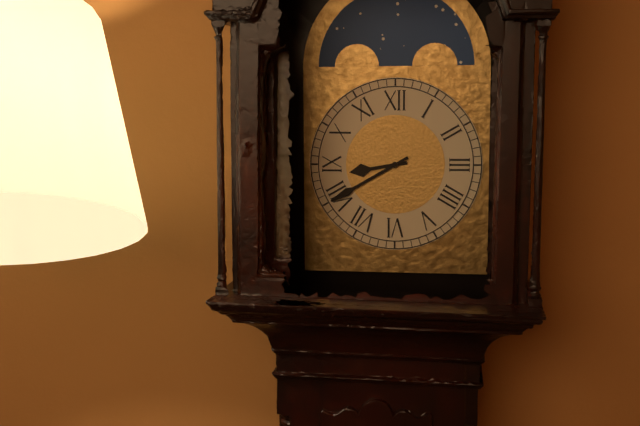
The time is **8:40**
